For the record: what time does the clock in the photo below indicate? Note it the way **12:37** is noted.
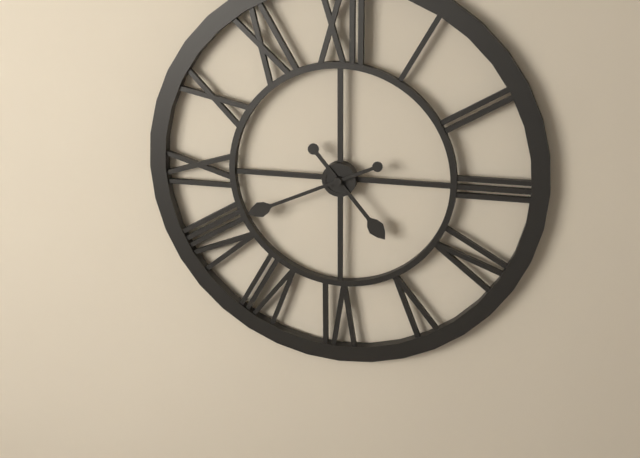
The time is **4:41**
